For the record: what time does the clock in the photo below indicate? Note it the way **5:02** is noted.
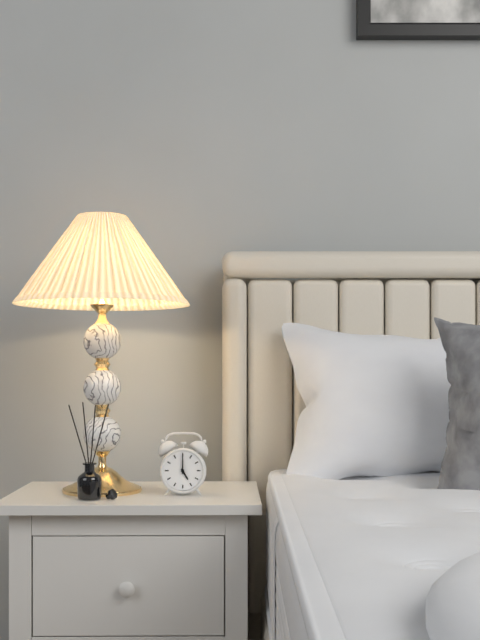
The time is **5:00**
